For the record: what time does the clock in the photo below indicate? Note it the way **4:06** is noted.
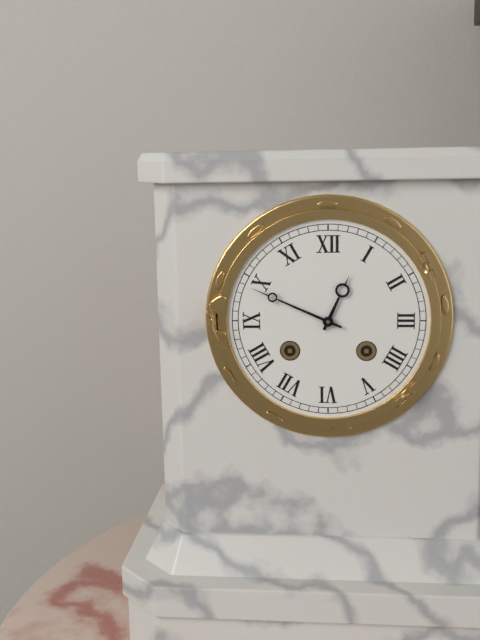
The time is **12:49**
